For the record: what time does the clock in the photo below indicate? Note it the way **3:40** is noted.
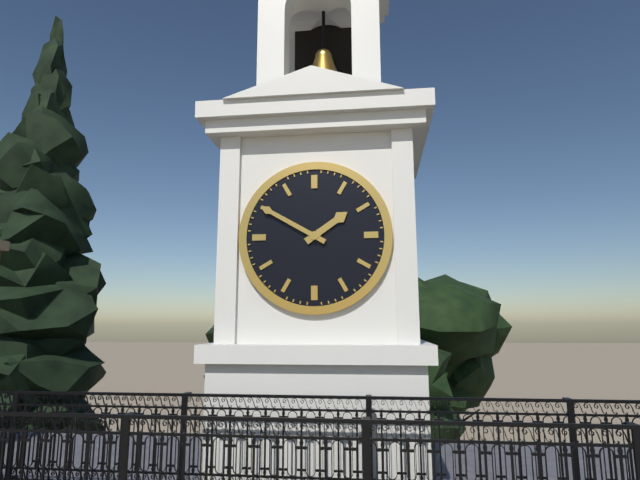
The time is **1:50**
